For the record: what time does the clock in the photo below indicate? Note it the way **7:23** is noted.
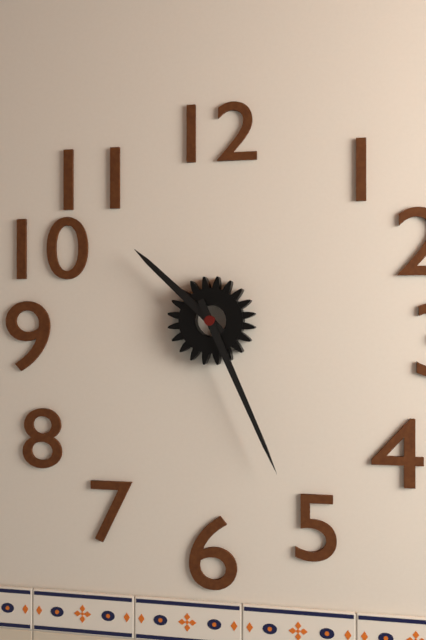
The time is **10:26**
